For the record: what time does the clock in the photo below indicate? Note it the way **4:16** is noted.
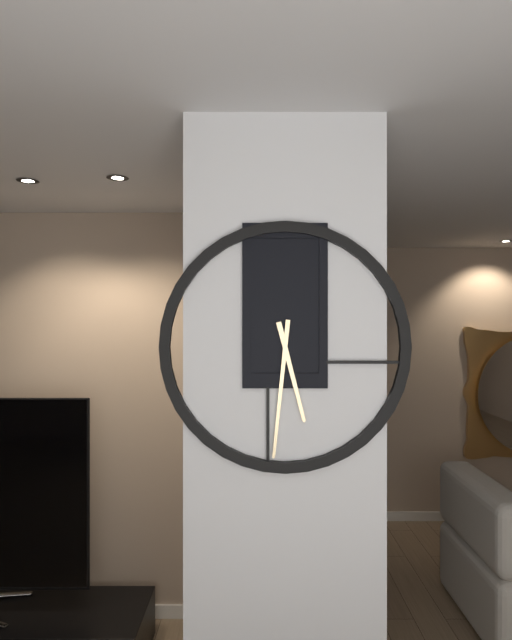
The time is **5:31**
